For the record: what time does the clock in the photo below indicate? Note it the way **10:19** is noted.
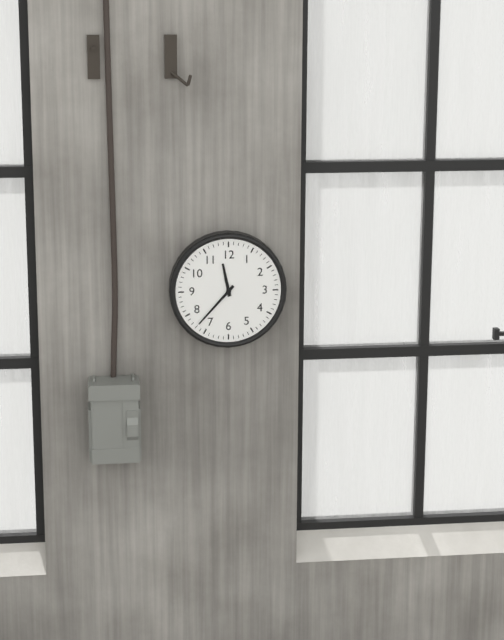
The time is **11:37**
